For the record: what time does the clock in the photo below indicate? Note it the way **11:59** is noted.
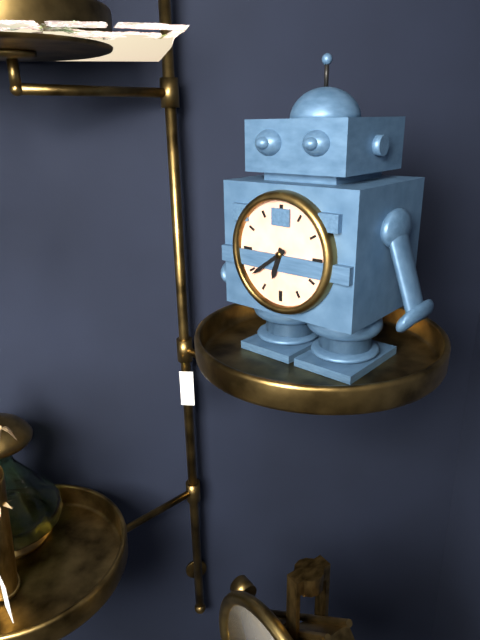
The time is **6:39**
